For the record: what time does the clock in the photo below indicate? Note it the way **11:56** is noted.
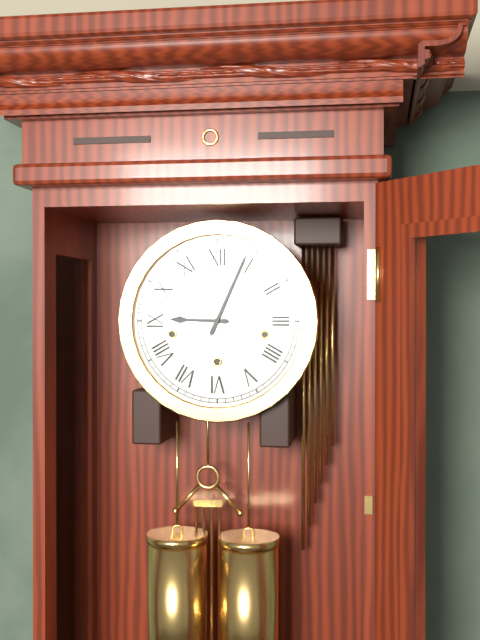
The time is **9:04**
